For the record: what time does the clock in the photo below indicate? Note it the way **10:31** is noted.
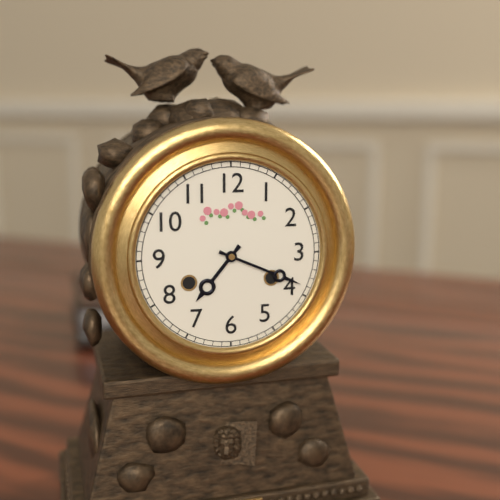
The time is **7:19**
